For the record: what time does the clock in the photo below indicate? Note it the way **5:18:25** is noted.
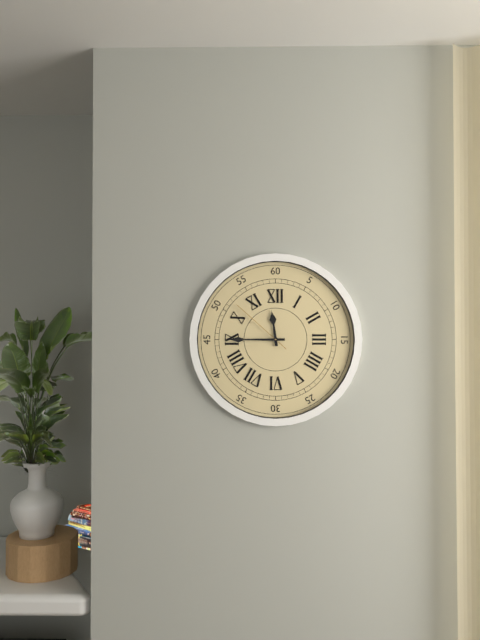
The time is **11:45:52**
